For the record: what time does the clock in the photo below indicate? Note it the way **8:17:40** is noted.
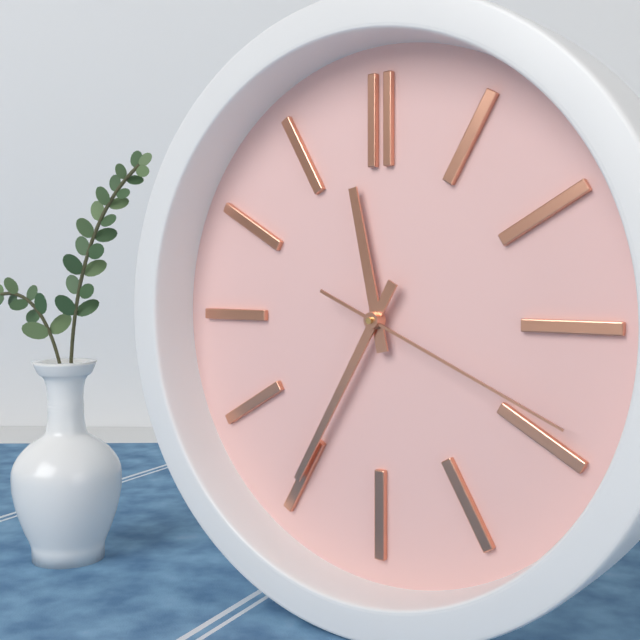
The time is **11:35:19**
